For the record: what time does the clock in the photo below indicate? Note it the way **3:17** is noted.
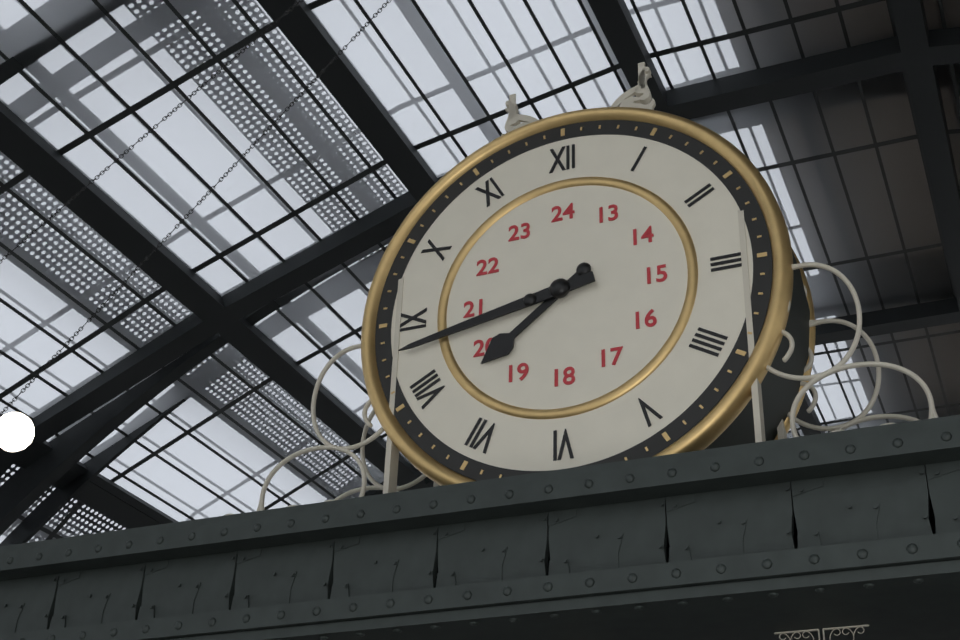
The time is **7:43**
